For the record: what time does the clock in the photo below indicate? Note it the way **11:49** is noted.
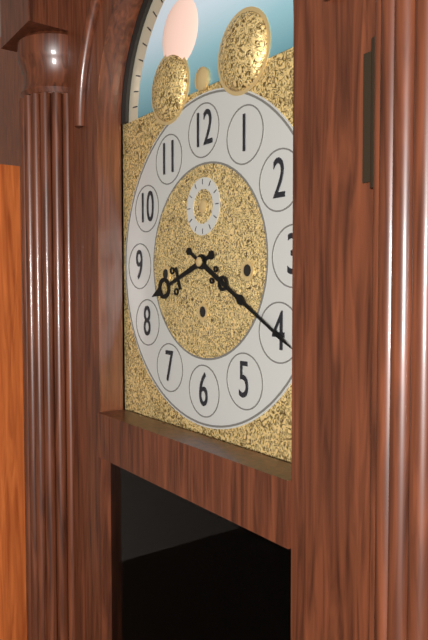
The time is **8:20**
